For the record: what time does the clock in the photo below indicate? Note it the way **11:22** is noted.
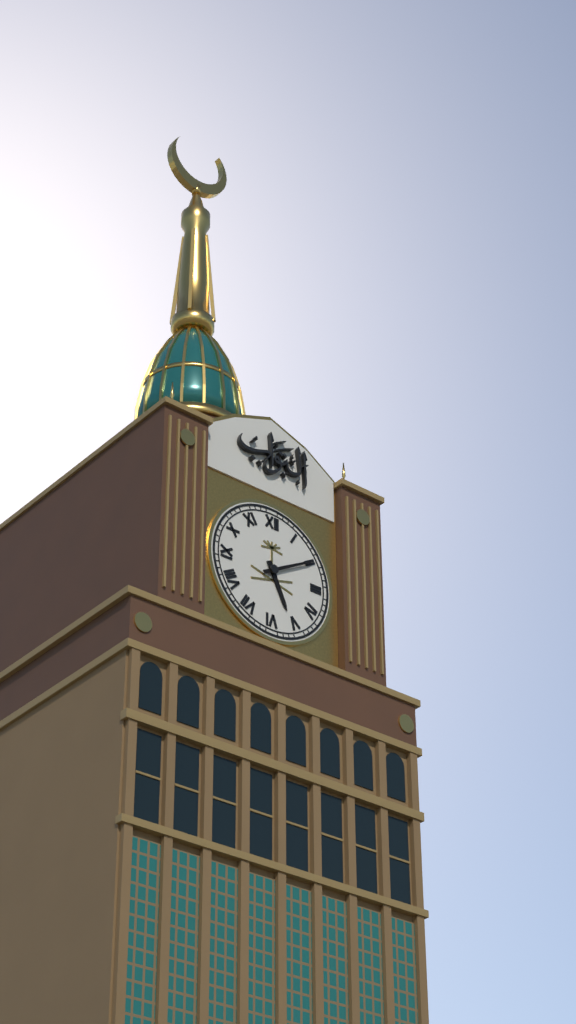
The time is **5:10**
